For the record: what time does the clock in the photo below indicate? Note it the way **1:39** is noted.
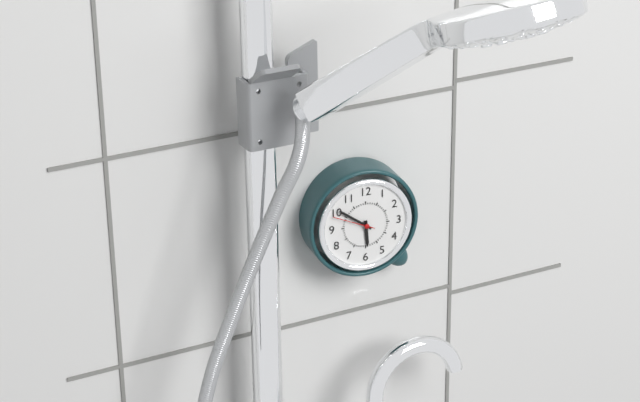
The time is **5:51**
